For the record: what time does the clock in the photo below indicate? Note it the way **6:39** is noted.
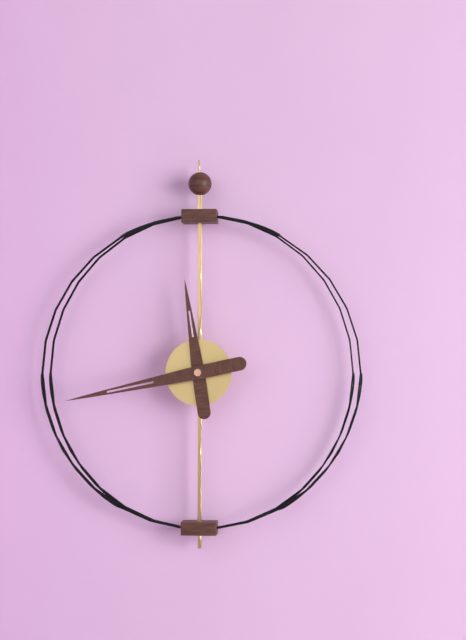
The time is **11:43**
